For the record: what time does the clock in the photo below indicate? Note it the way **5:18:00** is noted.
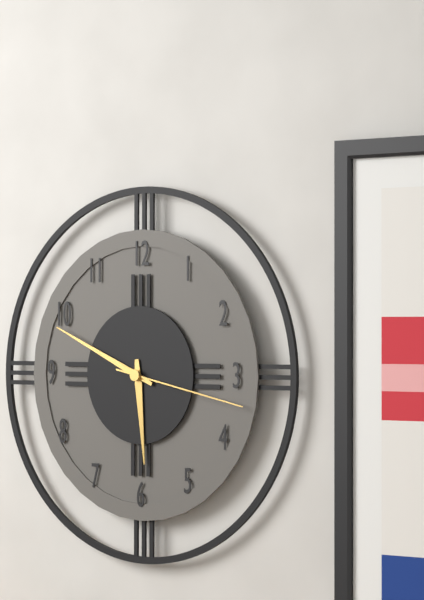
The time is **5:49:17**
